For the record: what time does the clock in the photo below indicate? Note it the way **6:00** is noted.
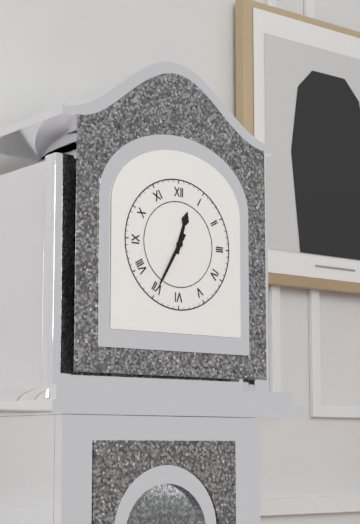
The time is **12:35**
